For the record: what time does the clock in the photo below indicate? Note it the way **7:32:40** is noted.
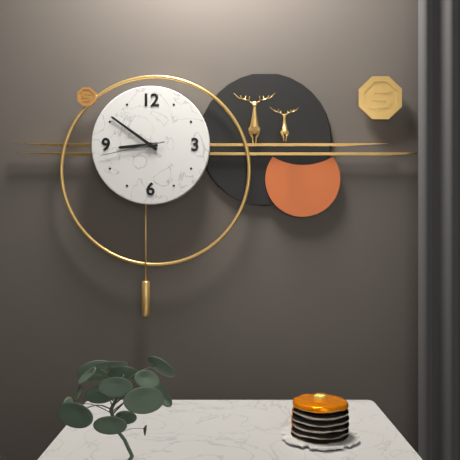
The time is **8:51:43**
